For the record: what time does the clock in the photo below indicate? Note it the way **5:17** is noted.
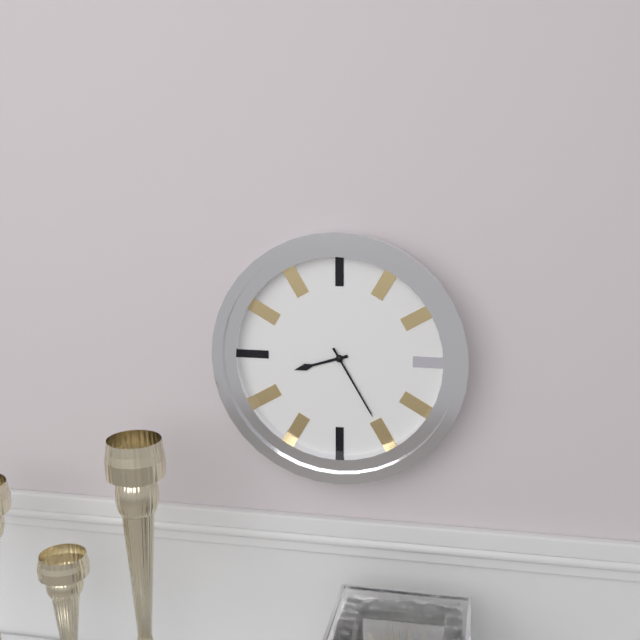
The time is **8:25**
